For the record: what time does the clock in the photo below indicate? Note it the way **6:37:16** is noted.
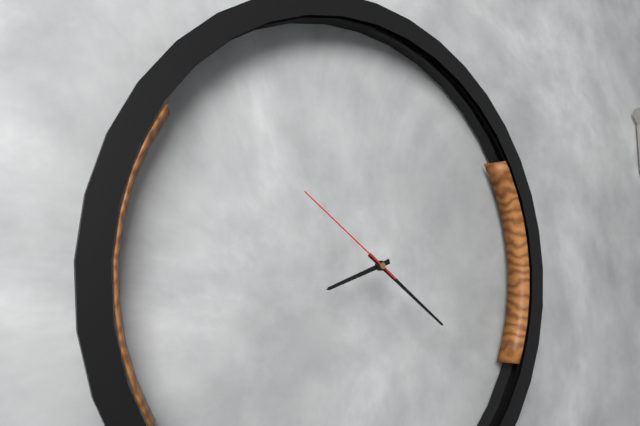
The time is **8:21:51**
